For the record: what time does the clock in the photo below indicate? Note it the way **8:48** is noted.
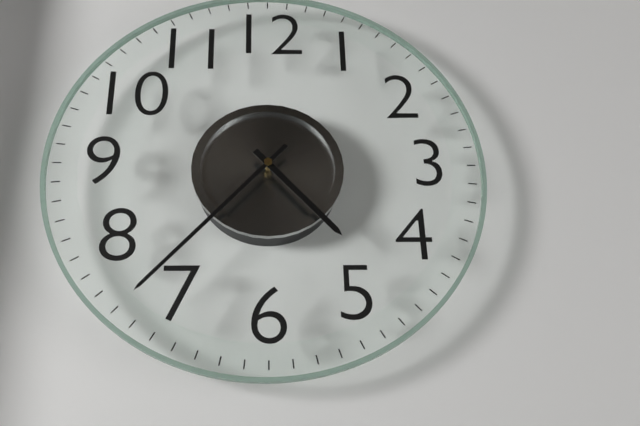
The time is **4:37**
